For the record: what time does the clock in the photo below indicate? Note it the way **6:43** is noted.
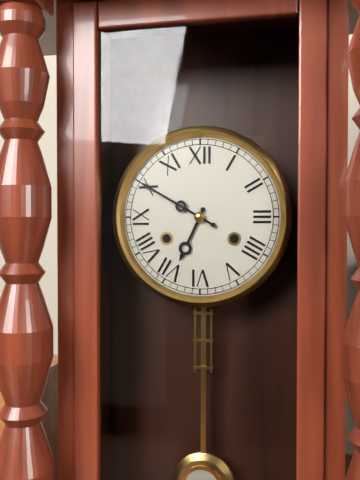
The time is **6:50**
